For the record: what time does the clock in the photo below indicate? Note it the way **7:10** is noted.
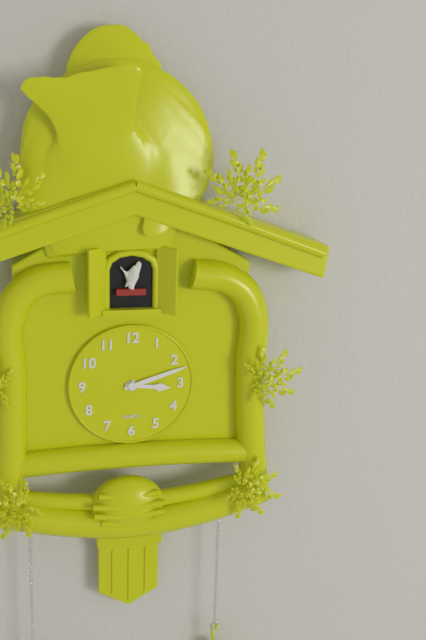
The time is **3:12**
